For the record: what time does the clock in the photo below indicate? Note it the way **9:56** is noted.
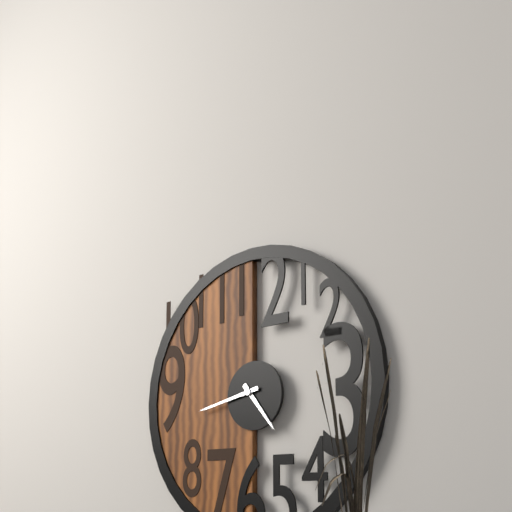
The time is **4:43**
